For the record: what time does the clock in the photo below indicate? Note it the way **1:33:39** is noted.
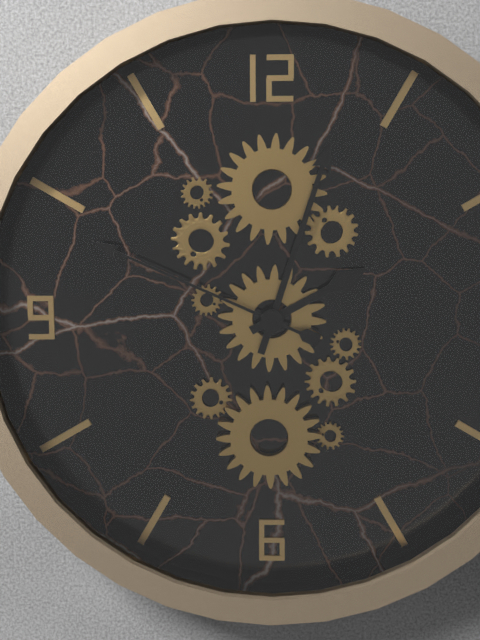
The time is **2:03:49**
